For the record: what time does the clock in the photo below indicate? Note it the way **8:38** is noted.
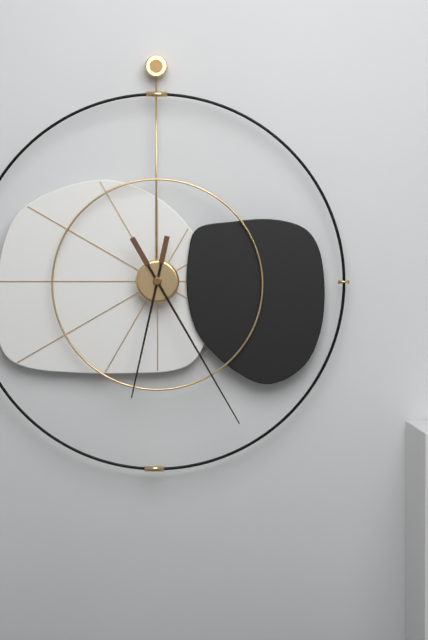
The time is **6:25**
